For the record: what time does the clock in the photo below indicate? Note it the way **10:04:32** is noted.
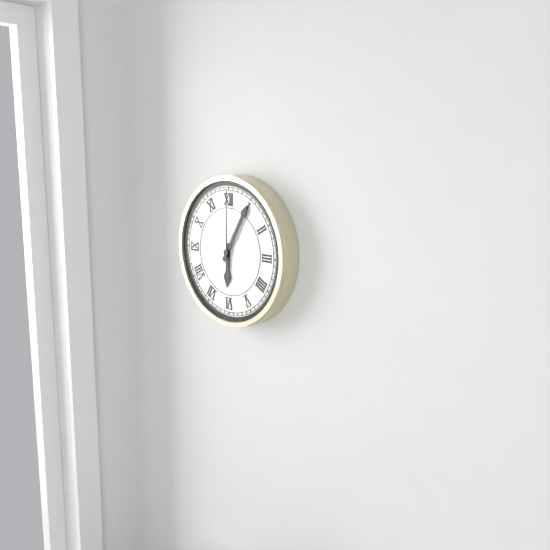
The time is **6:05:00**
